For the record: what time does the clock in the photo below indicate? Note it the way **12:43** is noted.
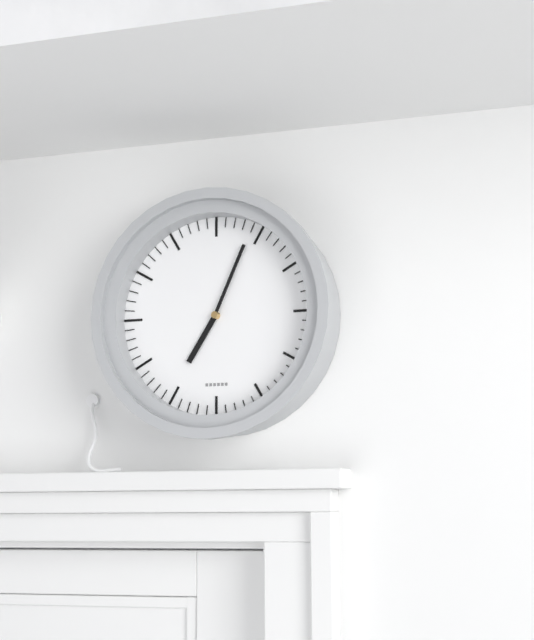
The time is **7:04**
